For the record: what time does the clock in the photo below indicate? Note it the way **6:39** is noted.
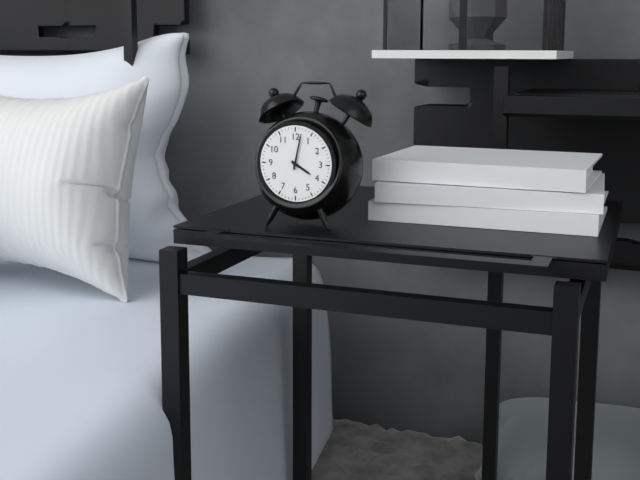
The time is **4:02**
